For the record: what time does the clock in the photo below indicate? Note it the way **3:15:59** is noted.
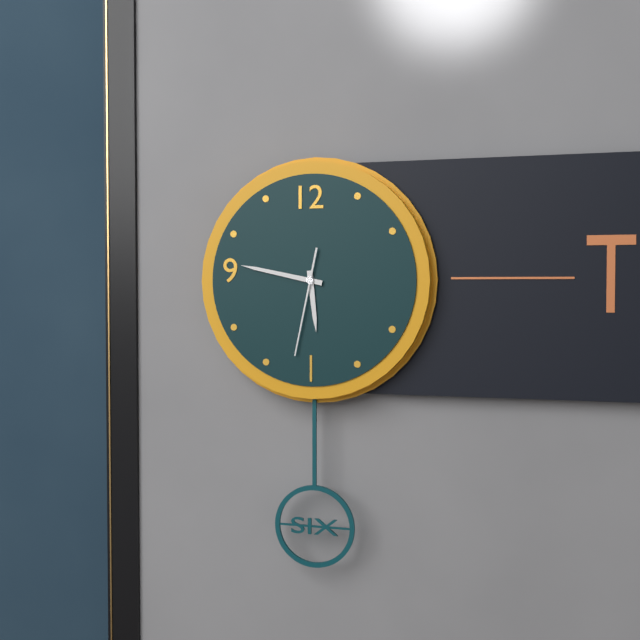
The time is **5:47:32**
